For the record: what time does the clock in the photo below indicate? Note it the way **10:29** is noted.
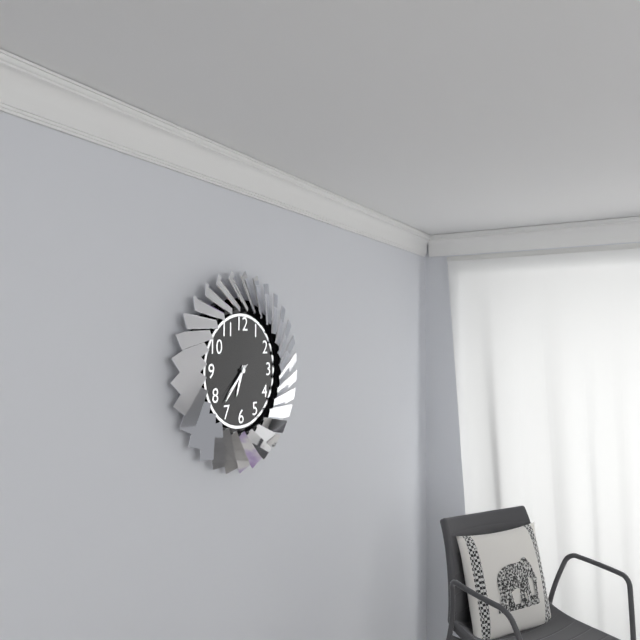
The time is **6:37**
